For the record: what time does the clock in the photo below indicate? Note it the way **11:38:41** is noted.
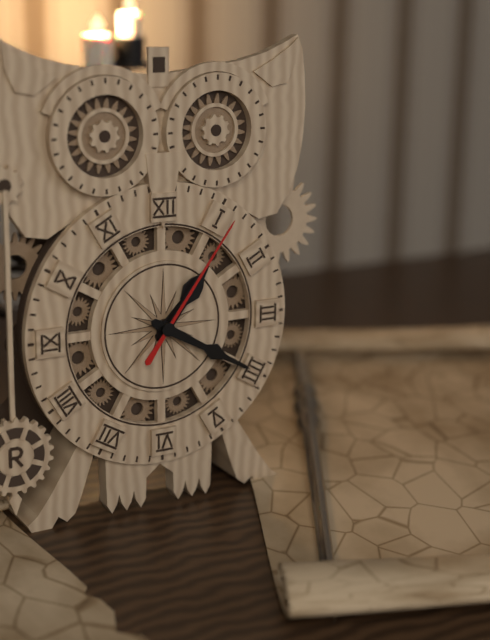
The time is **1:20:06**
